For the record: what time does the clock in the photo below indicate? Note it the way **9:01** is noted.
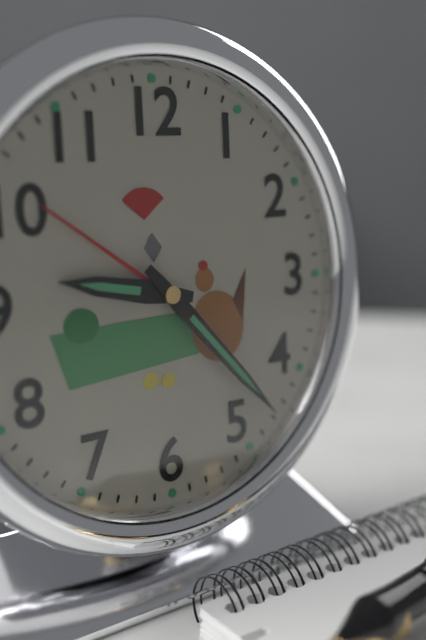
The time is **9:23**
